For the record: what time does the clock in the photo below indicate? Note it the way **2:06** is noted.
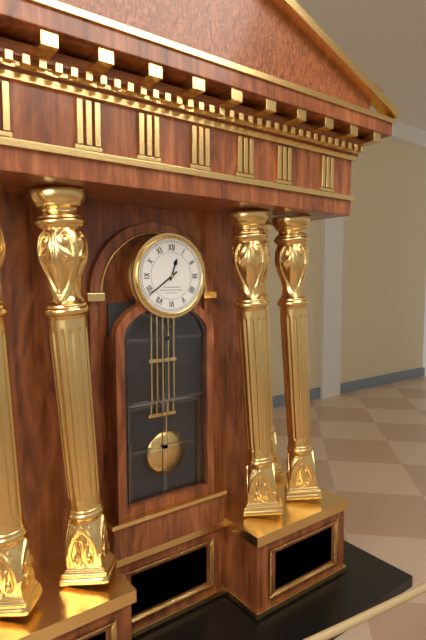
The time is **12:39**
